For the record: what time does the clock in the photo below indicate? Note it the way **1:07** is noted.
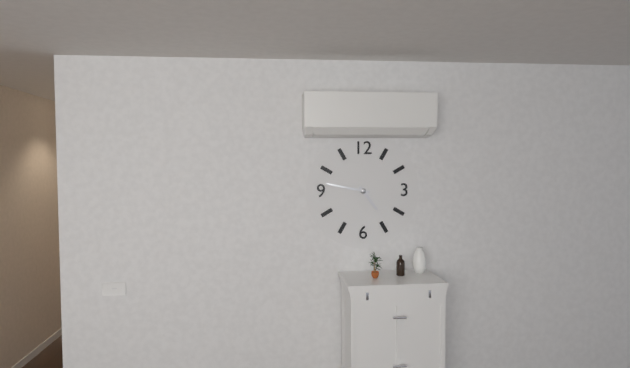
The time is **4:47**
